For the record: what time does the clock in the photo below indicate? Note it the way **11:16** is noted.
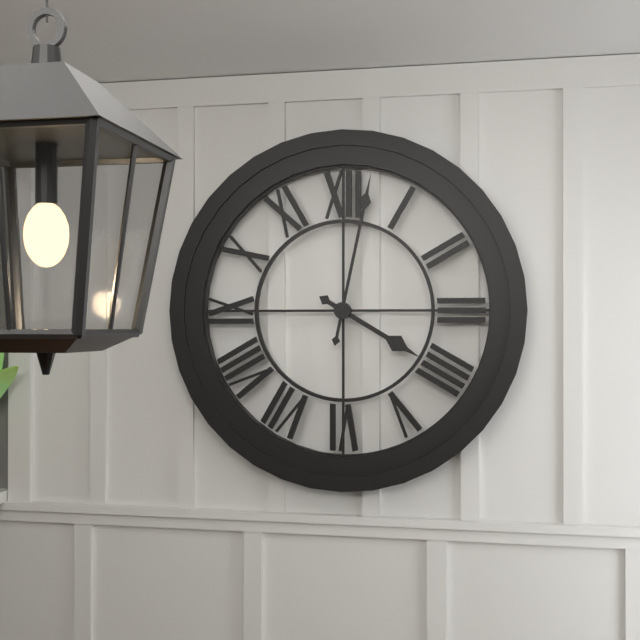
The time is **4:02**
